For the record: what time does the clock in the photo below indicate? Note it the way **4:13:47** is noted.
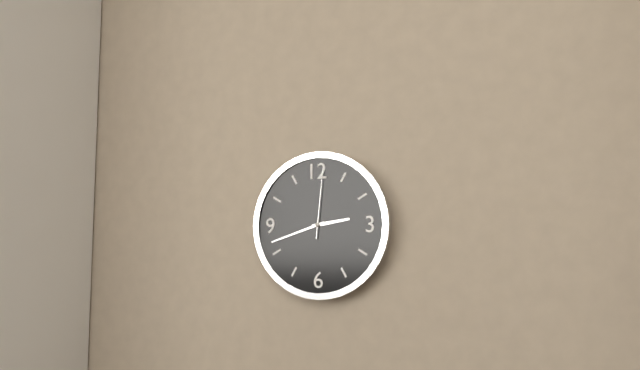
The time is **2:42:01**
